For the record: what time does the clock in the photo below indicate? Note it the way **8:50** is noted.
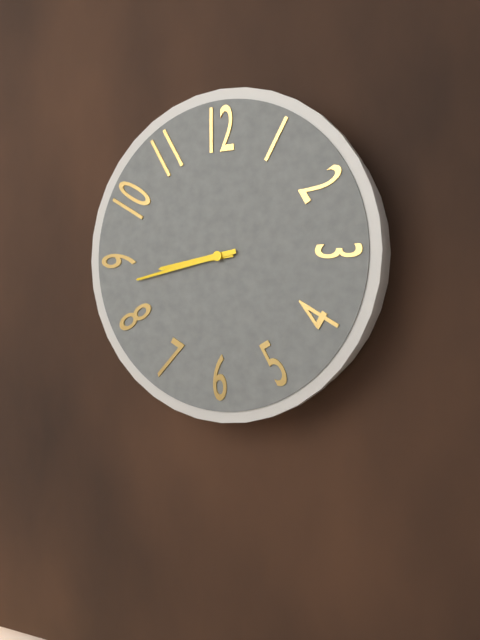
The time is **8:43**
